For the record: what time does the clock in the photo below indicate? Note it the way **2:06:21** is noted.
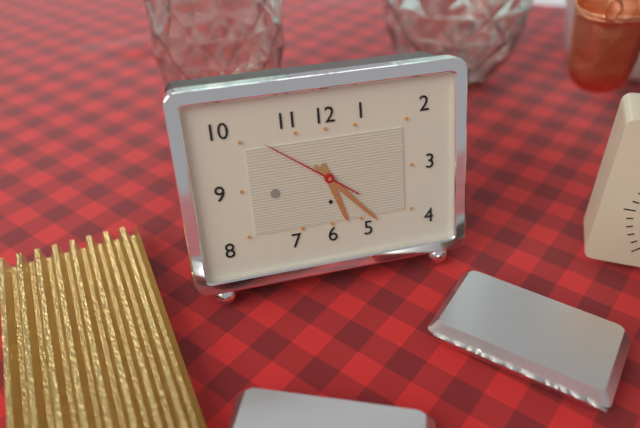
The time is **5:23:51**
